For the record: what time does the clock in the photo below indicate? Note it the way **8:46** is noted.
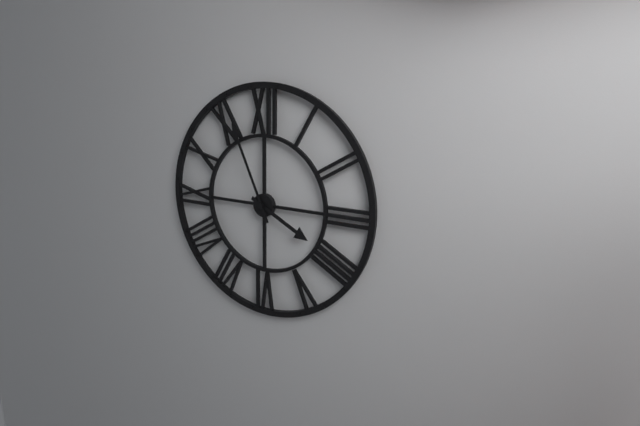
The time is **3:56**
